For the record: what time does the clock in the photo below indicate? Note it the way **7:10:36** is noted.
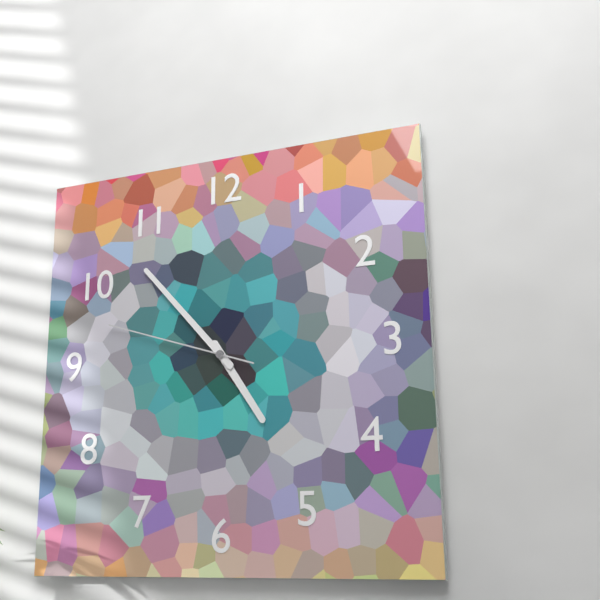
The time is **4:53:48**
